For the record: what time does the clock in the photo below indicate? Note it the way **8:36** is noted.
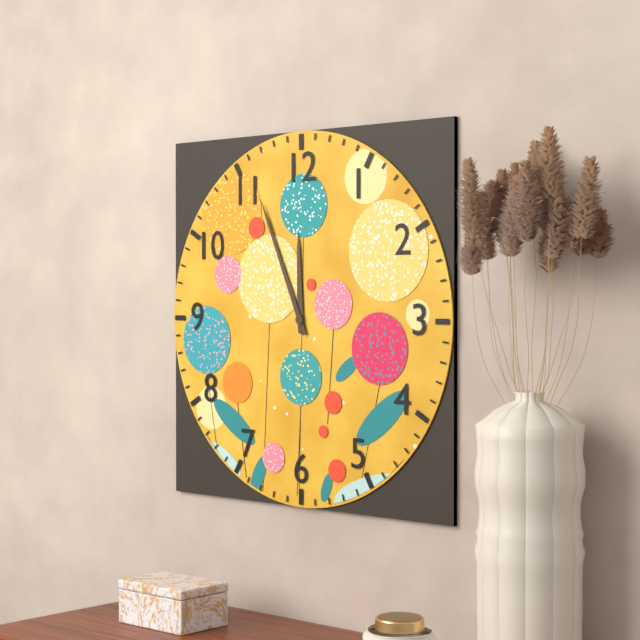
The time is **11:56**
